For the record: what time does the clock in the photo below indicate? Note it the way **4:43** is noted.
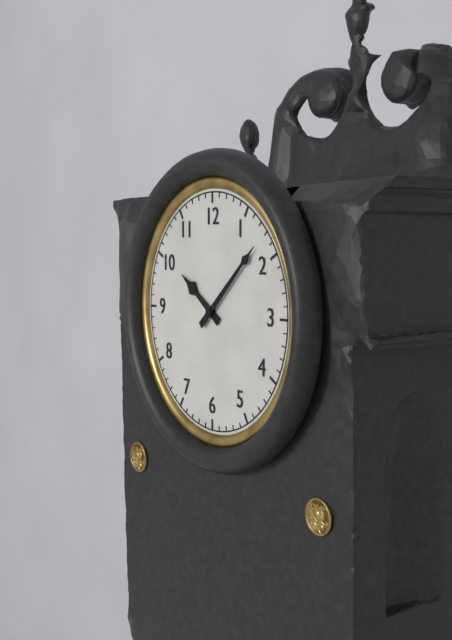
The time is **10:08**
